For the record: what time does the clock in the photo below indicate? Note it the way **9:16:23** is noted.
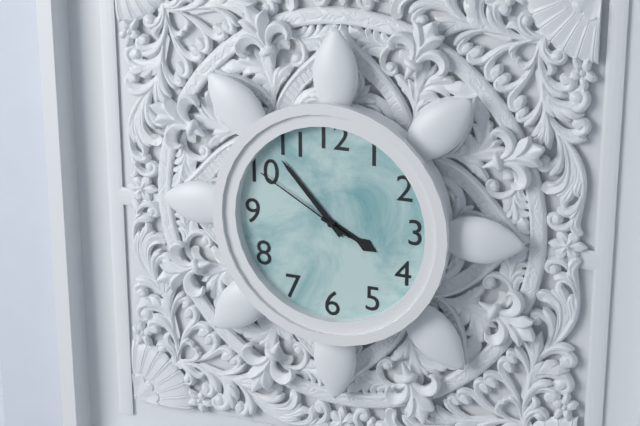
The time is **3:53:50**
